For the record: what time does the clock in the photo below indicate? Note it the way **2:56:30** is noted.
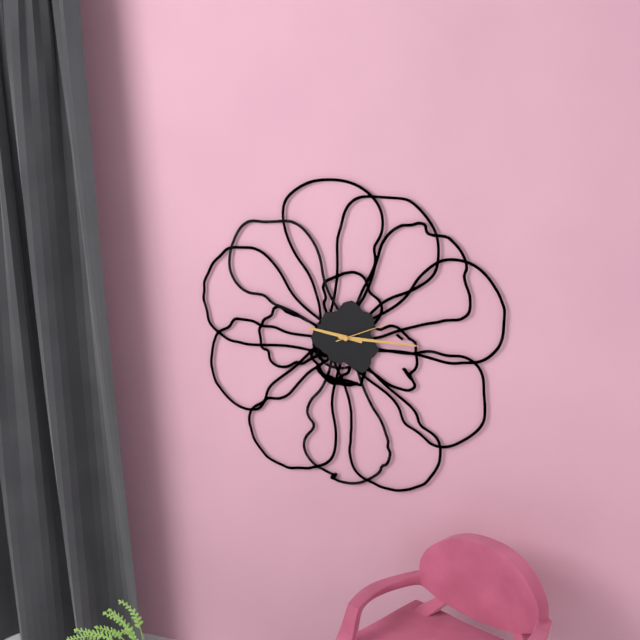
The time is **9:15:11**
